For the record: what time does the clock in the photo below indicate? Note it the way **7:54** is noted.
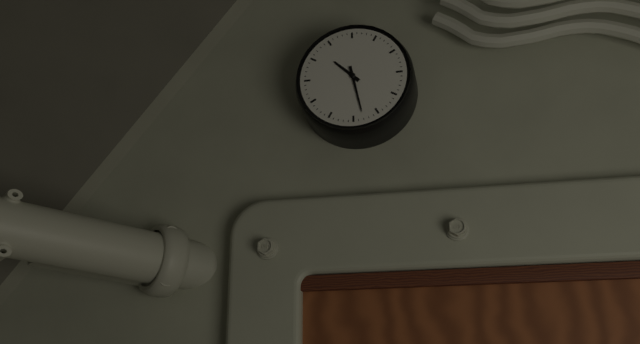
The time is **10:28**
